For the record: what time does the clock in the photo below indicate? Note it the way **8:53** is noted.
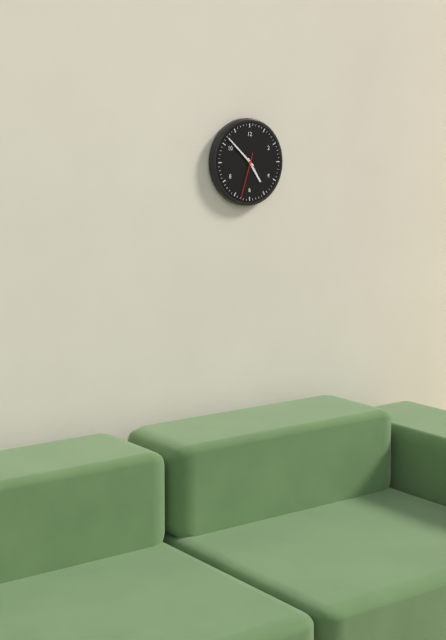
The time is **4:52**
